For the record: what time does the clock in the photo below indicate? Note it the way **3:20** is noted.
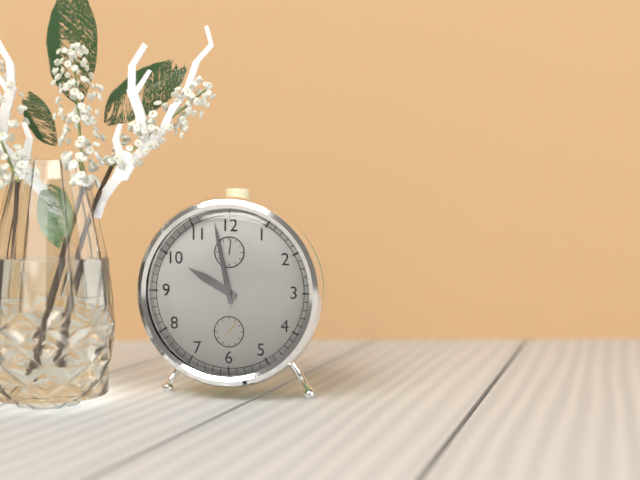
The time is **9:58**
